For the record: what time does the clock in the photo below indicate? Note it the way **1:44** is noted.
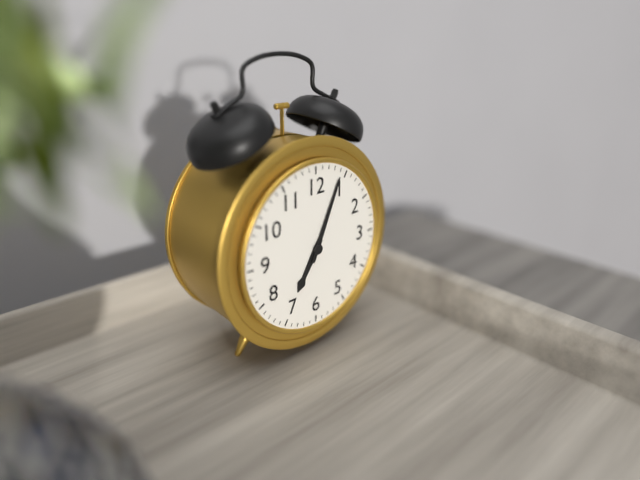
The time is **7:04**
